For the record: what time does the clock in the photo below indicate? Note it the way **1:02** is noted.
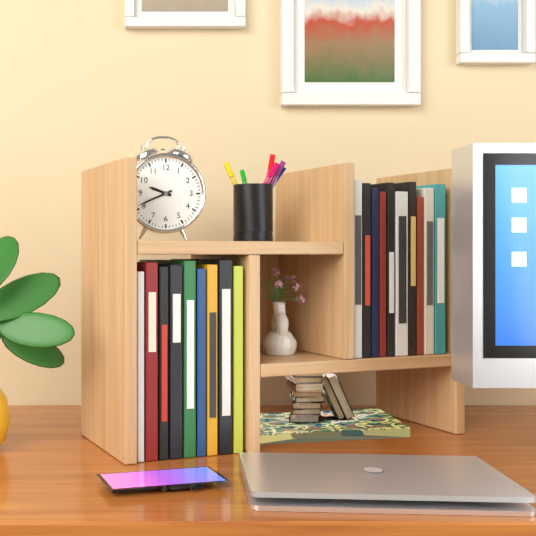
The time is **9:41**
